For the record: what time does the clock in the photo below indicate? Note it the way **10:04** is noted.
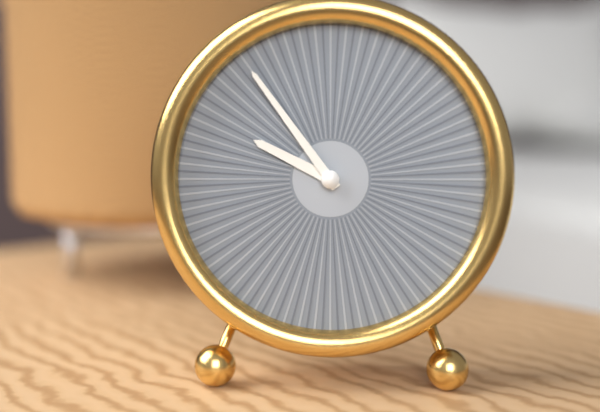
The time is **9:54**
